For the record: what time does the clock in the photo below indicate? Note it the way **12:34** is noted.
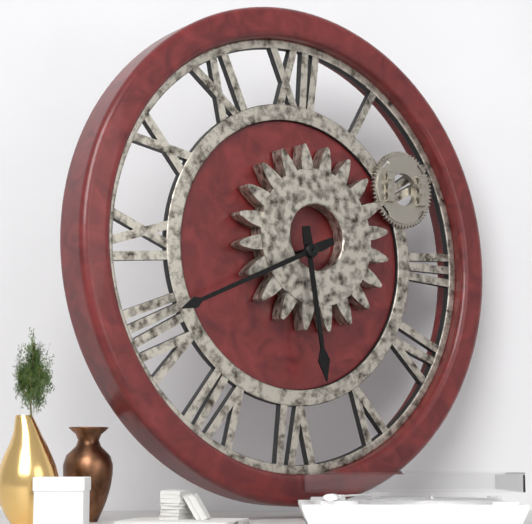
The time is **5:41**
